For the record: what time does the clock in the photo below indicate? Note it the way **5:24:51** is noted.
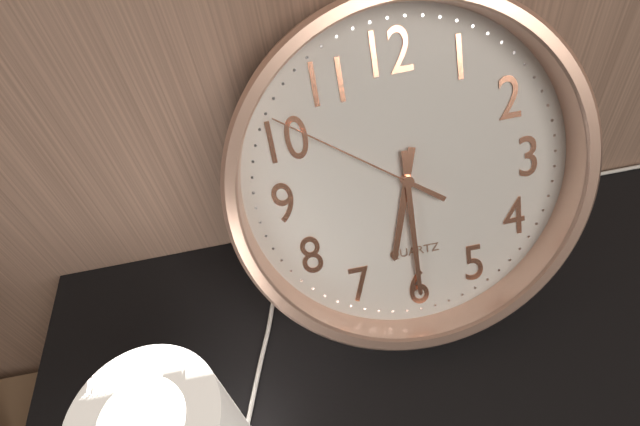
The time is **6:30:51**
